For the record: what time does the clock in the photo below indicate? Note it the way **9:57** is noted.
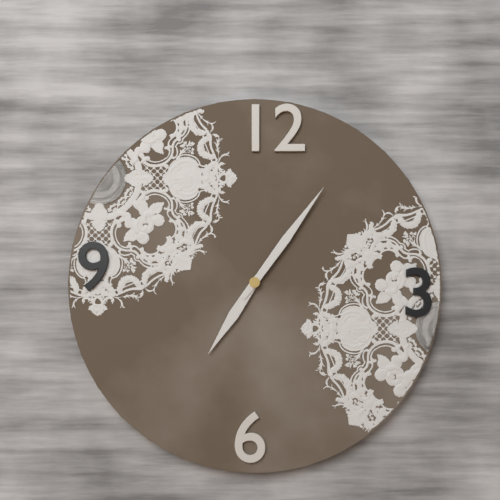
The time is **7:06**
